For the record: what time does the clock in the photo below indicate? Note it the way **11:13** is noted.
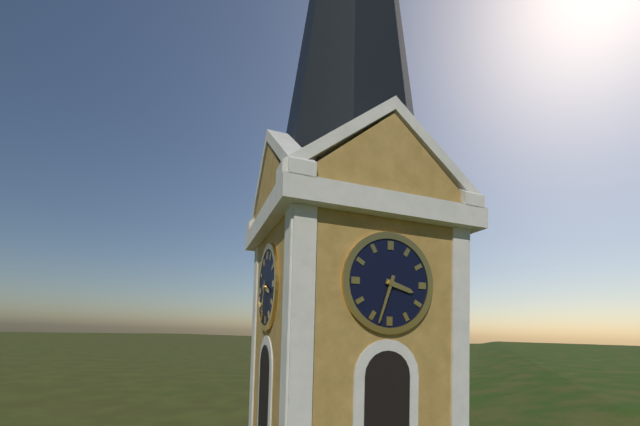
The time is **3:33**
